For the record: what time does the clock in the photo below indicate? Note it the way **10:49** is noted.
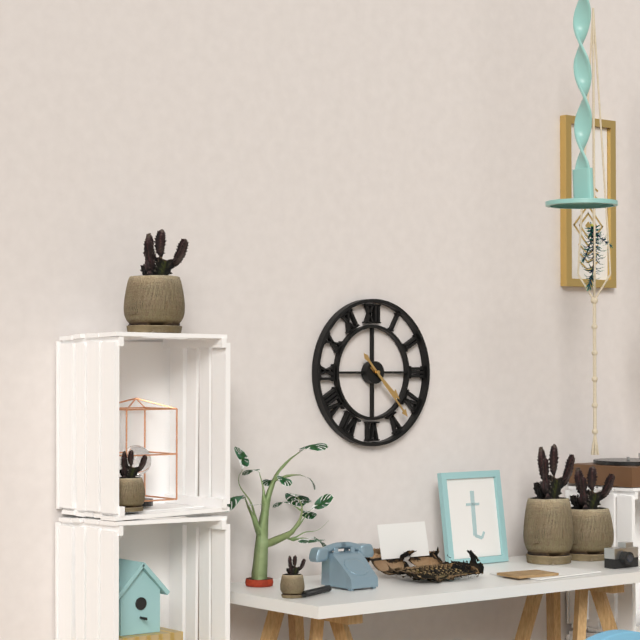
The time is **4:23**
